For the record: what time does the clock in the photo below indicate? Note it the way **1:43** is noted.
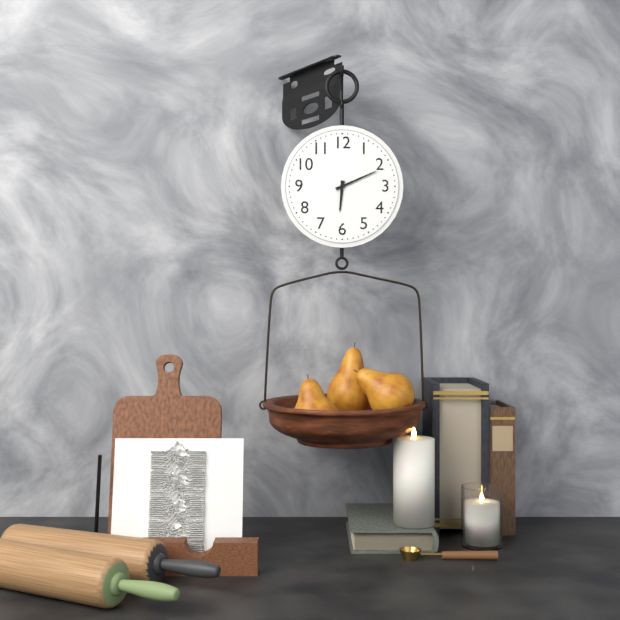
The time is **6:11**
